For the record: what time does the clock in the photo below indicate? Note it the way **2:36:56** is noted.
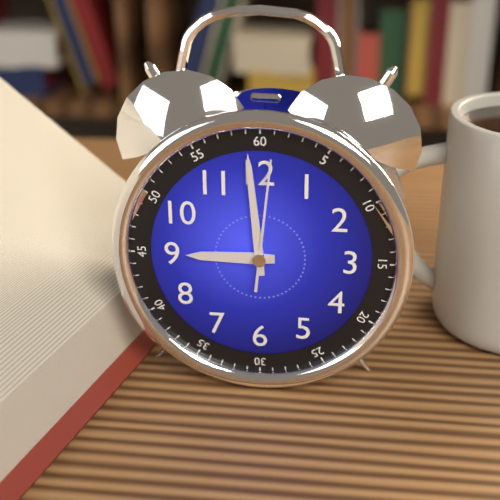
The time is **8:59:01**
